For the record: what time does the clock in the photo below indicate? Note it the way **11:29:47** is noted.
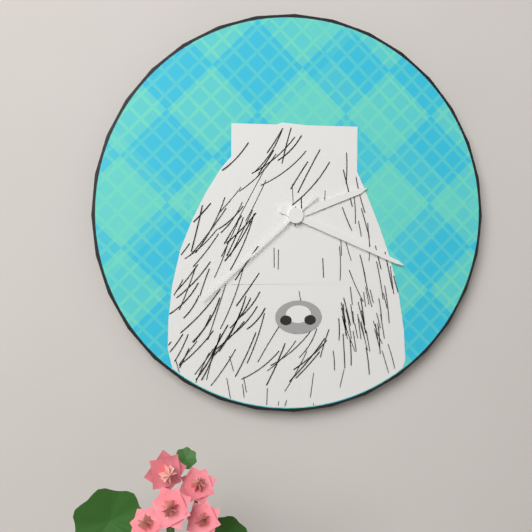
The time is **2:19:38**
